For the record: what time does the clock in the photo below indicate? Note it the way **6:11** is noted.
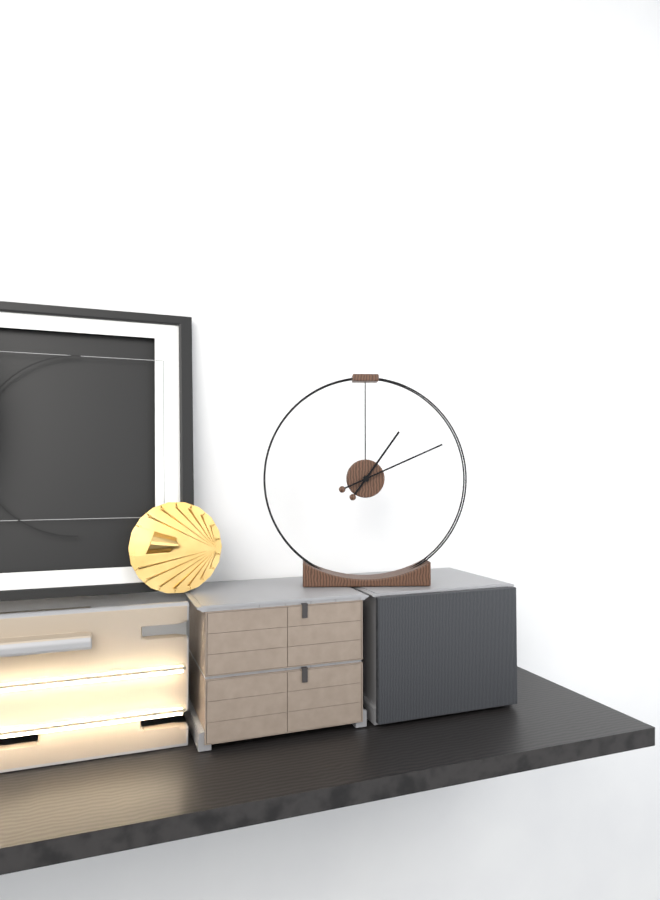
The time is **1:11**
